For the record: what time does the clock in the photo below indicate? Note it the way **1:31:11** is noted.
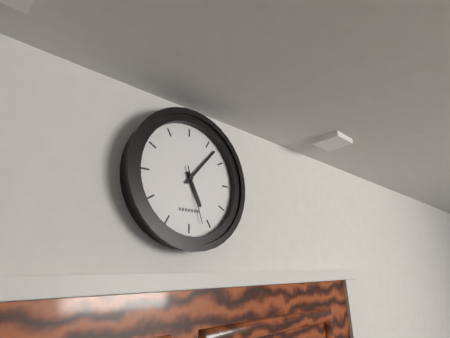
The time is **5:07:27**
